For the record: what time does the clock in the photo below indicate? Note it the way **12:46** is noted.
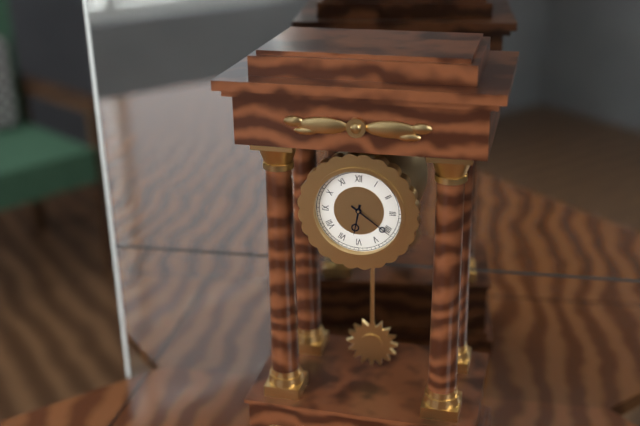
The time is **6:21**
